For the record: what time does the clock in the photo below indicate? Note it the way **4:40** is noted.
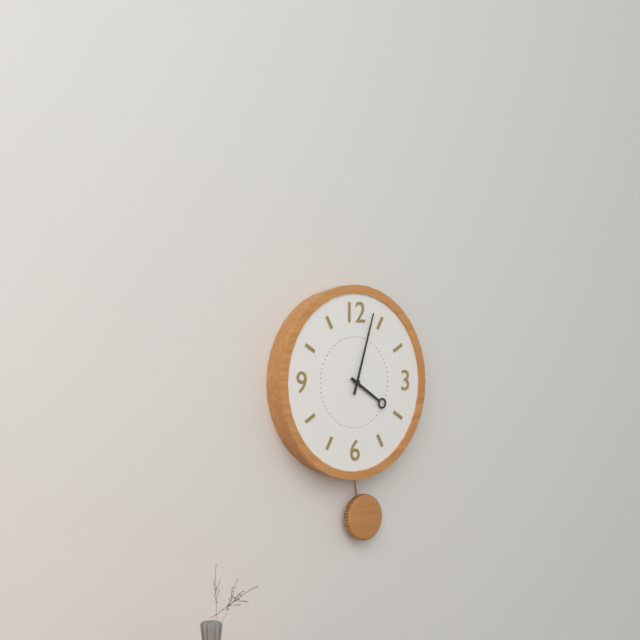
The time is **4:03**
